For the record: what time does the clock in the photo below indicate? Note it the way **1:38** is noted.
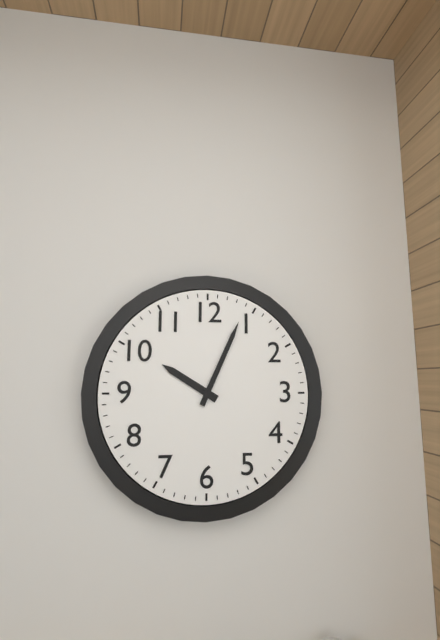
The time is **10:04**
